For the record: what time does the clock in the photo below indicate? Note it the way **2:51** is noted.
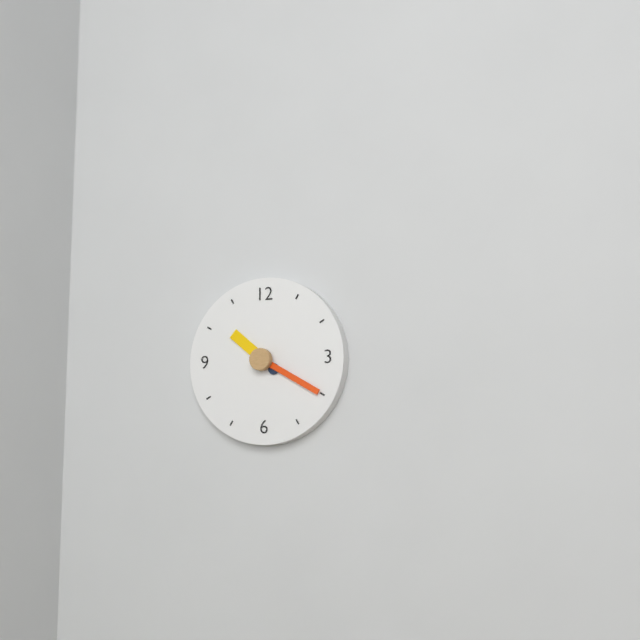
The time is **10:20**
